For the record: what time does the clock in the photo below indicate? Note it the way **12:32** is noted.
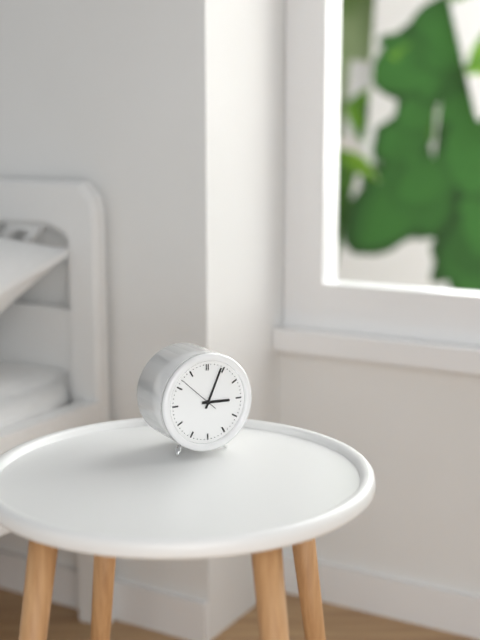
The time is **3:04**
